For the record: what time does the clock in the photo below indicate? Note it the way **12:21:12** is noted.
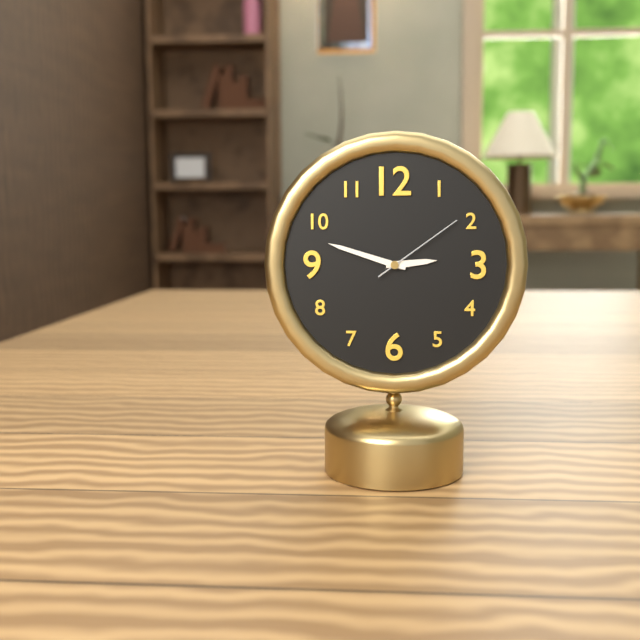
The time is **2:48:09**
